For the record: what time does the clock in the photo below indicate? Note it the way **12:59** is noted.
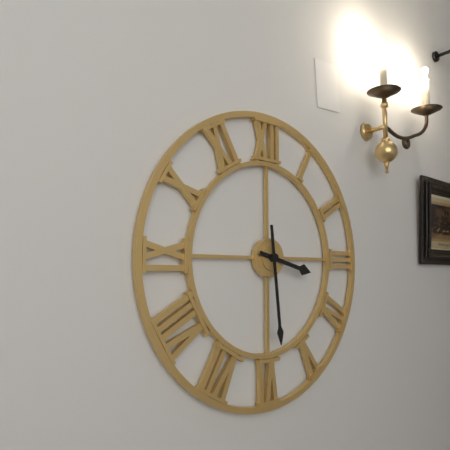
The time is **3:29**
